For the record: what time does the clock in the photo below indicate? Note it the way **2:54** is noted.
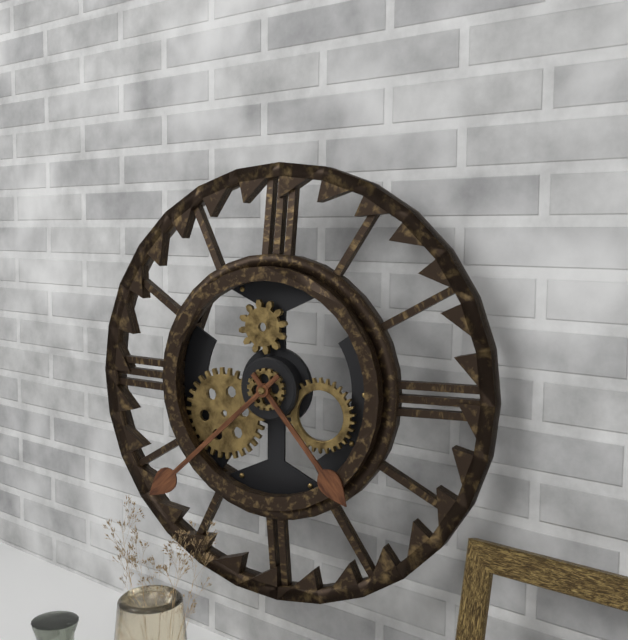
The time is **4:38**
